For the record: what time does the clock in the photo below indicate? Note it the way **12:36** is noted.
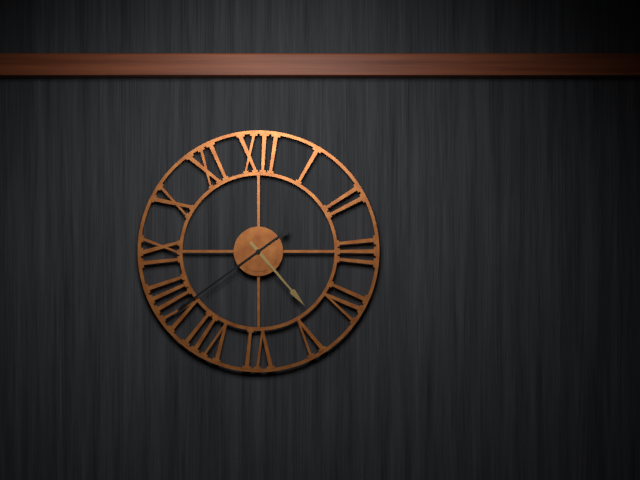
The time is **4:39**
